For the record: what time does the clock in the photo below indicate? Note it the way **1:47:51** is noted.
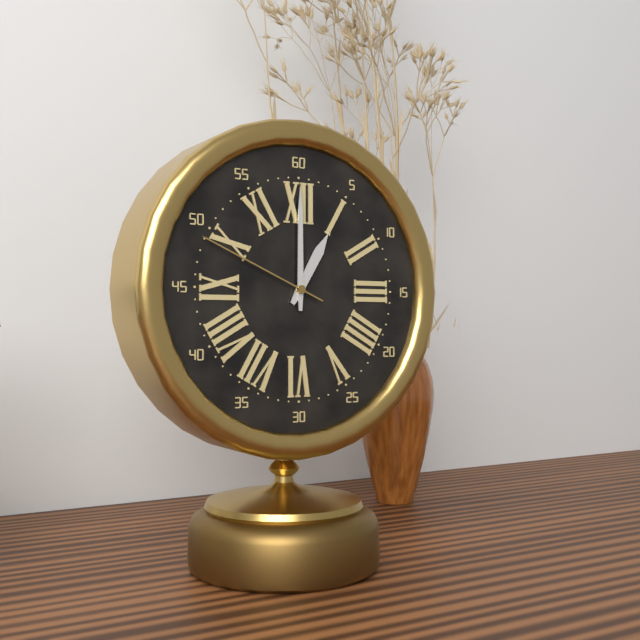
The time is **1:00:49**
